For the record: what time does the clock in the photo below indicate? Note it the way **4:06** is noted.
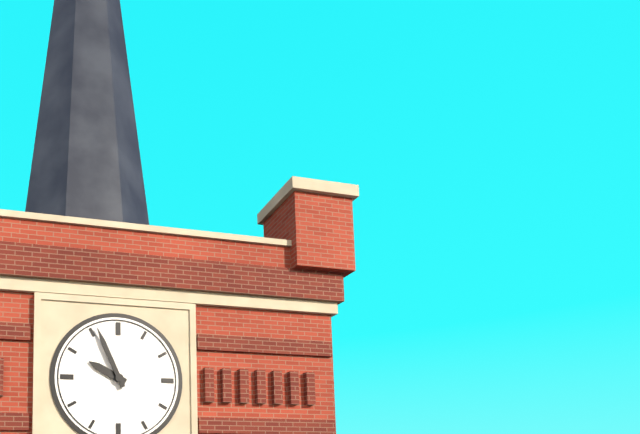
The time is **9:56**
